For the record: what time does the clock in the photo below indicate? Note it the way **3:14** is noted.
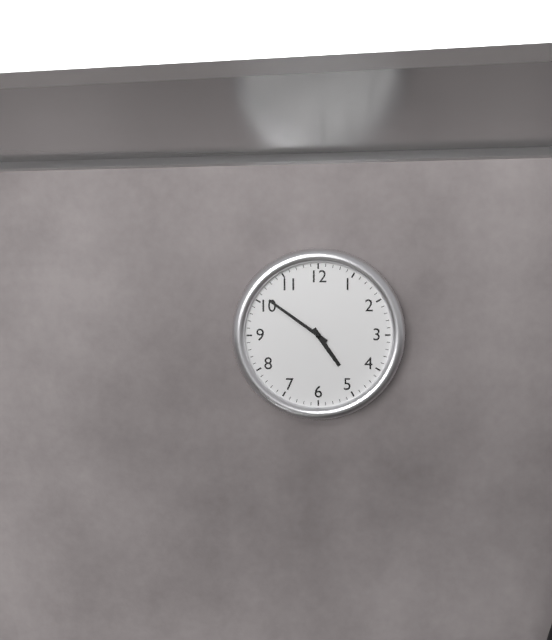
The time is **4:51**
